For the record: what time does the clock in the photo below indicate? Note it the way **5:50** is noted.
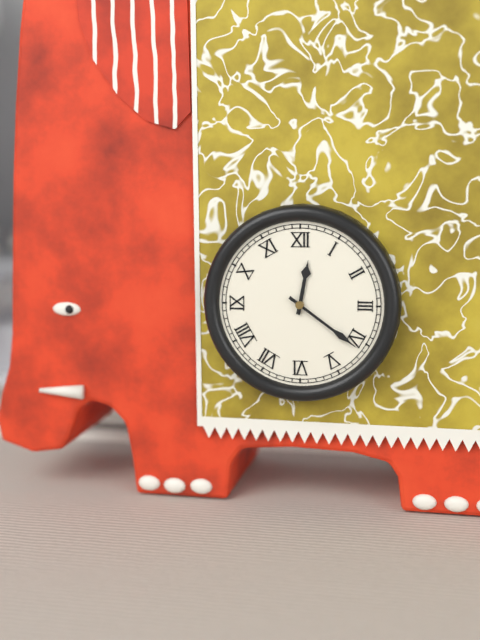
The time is **12:21**
